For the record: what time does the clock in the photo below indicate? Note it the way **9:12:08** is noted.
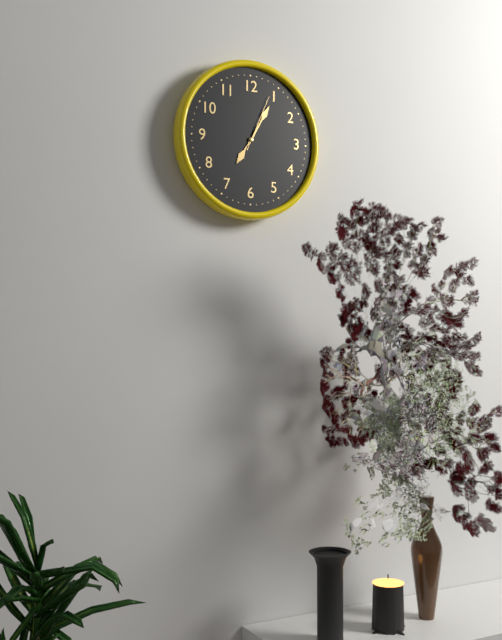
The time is **7:05:04**
